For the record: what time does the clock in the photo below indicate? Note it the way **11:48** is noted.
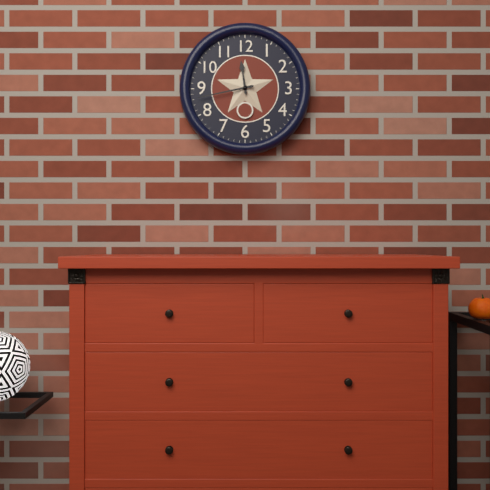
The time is **11:43**
